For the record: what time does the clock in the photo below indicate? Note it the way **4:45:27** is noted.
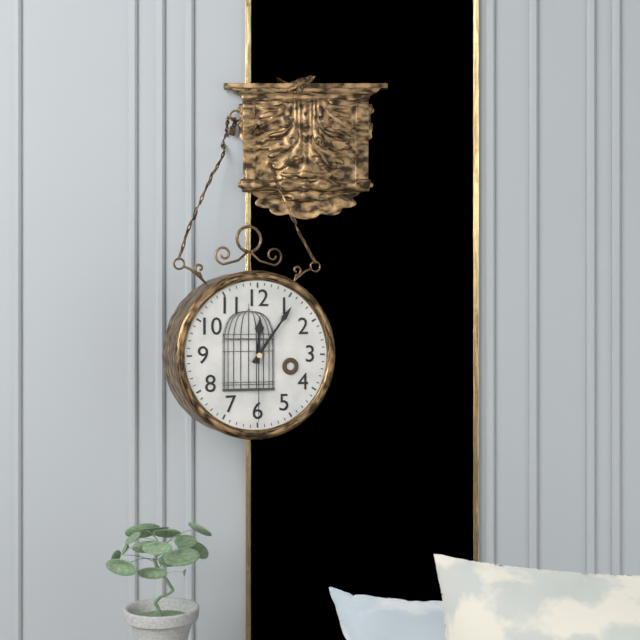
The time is **12:06:30**
